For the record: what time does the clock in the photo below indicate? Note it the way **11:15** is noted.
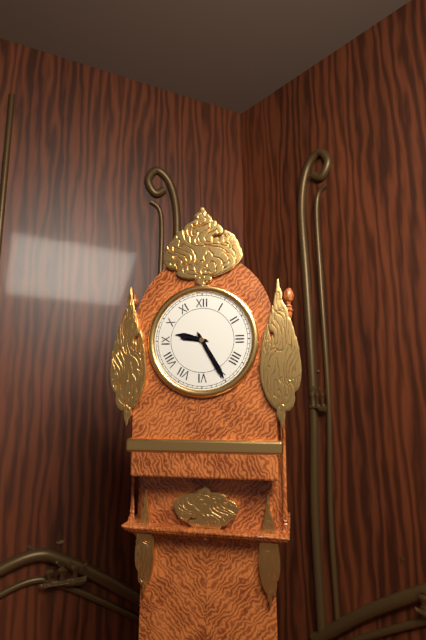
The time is **9:25**
